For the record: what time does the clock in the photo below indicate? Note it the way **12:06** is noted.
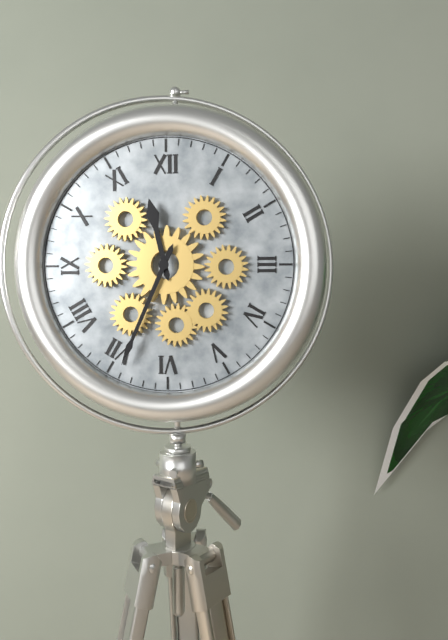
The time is **11:34**
